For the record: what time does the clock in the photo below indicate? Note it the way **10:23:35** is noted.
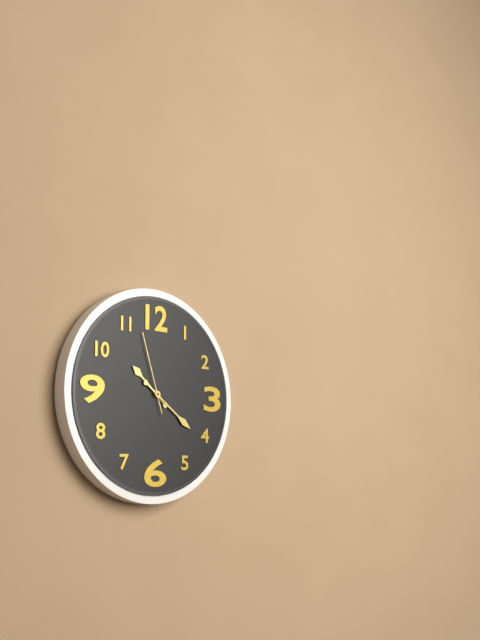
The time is **10:21:57**
